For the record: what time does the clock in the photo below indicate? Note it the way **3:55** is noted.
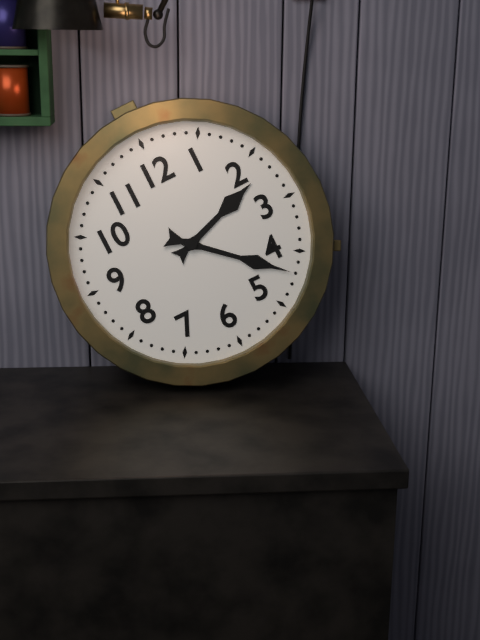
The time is **2:22**
